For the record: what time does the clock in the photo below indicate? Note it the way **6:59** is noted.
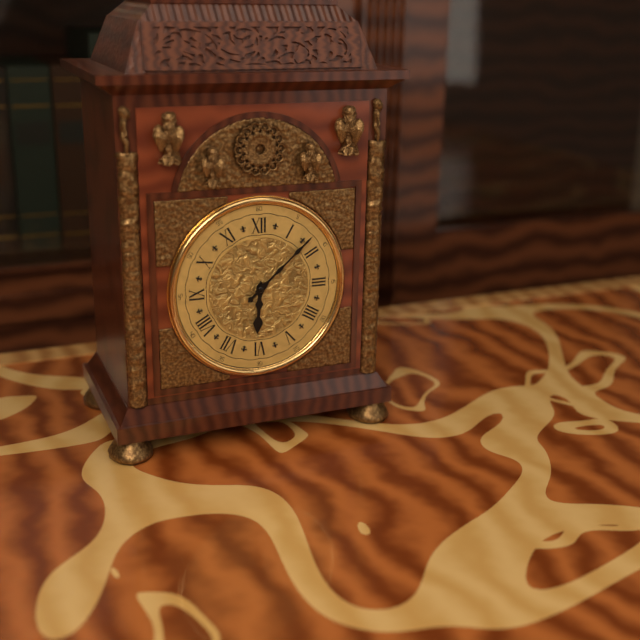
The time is **6:08**
